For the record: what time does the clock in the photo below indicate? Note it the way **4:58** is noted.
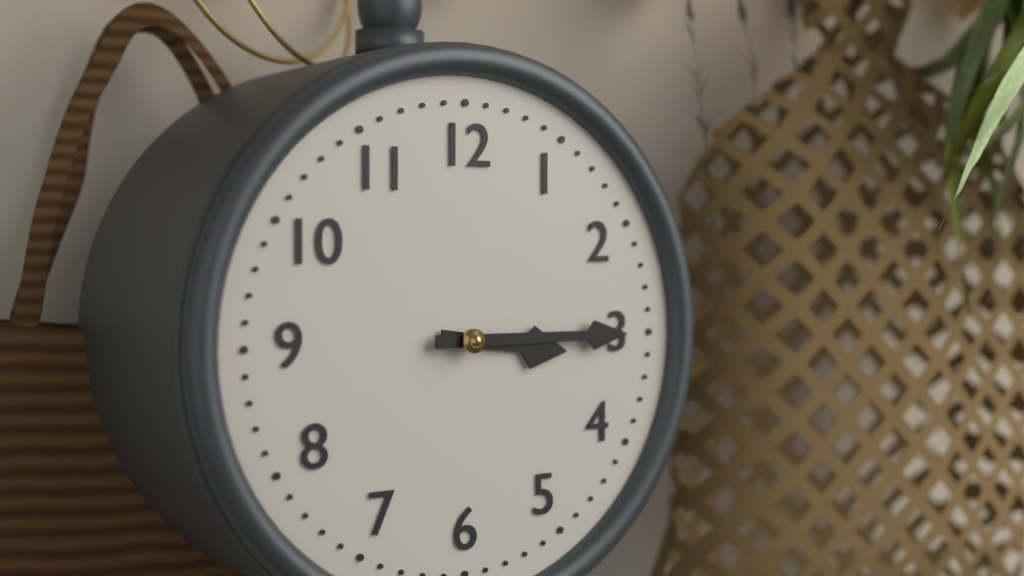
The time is **3:15**
